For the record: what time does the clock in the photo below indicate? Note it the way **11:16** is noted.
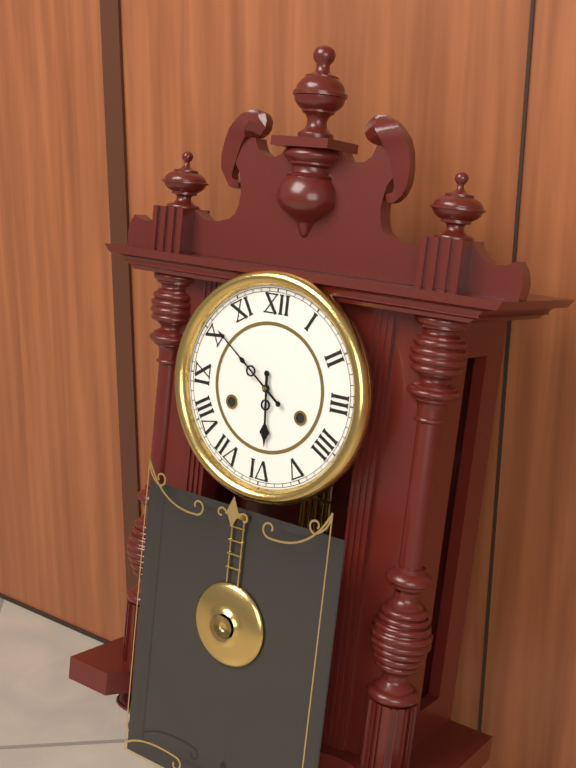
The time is **5:51**
